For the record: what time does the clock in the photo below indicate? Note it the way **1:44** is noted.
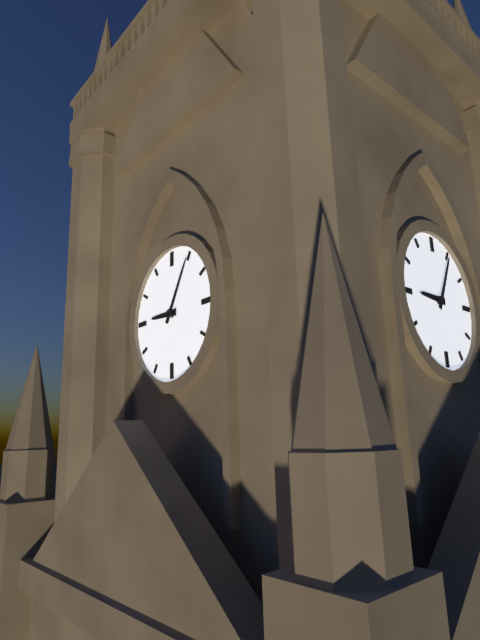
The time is **9:05**
